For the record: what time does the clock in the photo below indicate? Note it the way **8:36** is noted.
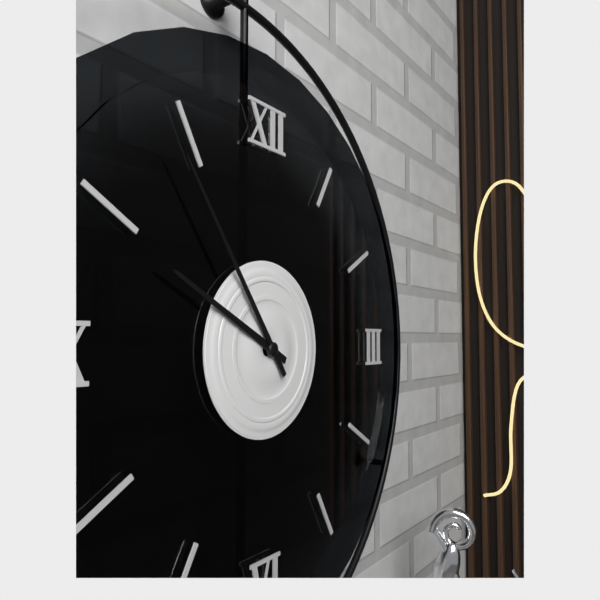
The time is **9:54**
